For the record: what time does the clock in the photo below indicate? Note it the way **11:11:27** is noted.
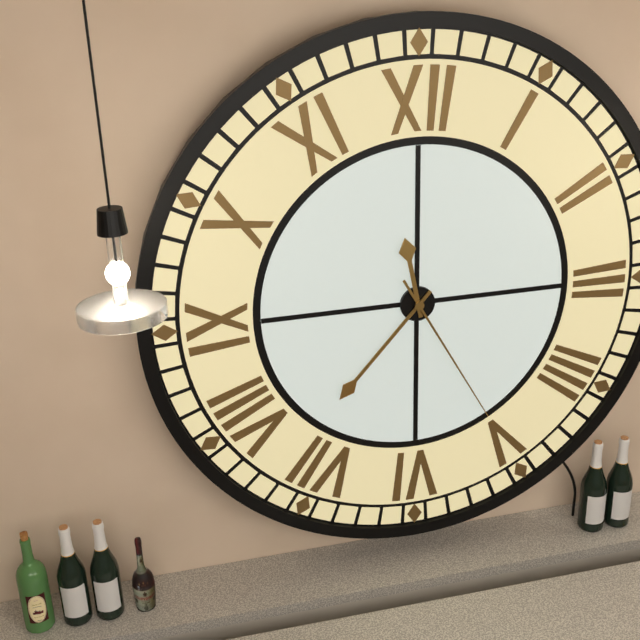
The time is **11:37:25**
